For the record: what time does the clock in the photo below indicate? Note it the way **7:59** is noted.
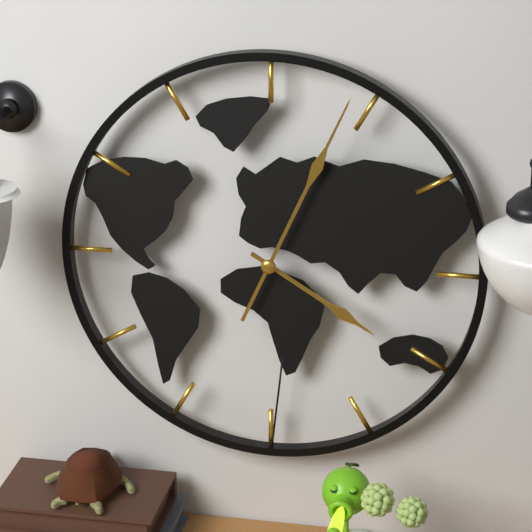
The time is **4:04**
